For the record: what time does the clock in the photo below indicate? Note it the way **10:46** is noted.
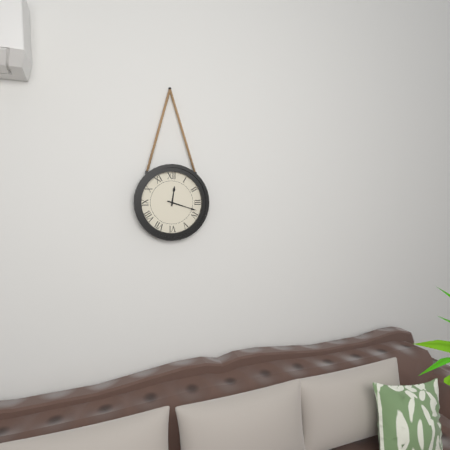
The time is **12:18**
